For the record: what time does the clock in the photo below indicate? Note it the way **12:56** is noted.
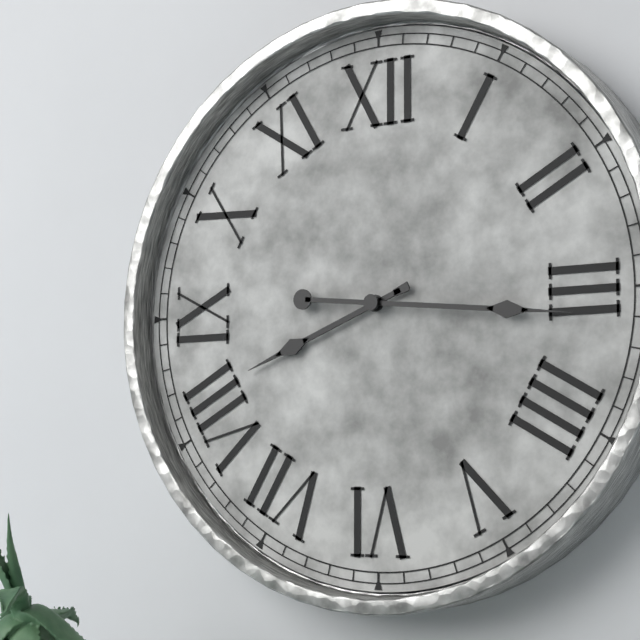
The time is **8:16**
